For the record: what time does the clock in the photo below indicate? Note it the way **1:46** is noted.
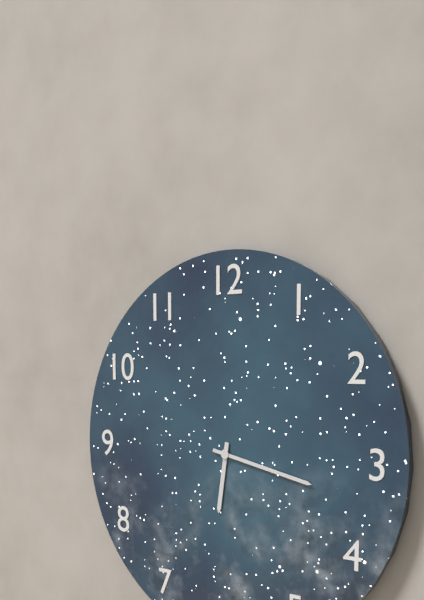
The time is **6:17**
